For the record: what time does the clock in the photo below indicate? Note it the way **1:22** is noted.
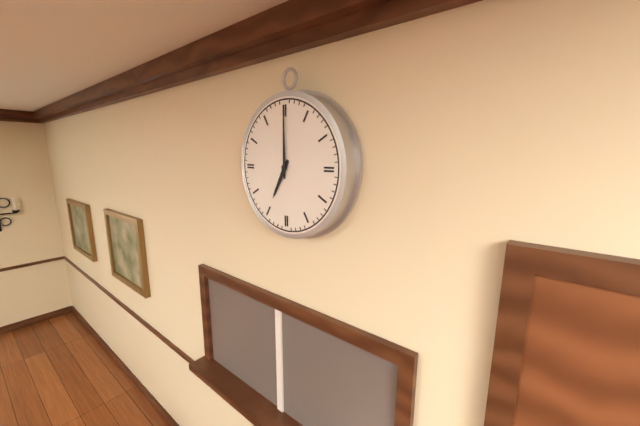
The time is **7:00**
